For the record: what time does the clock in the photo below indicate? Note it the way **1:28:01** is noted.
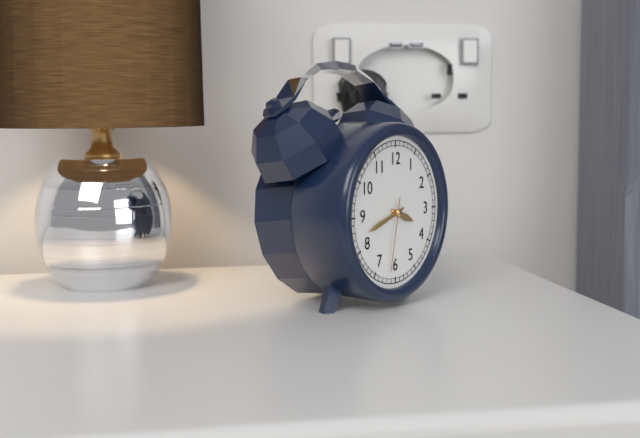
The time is **3:42:32**
